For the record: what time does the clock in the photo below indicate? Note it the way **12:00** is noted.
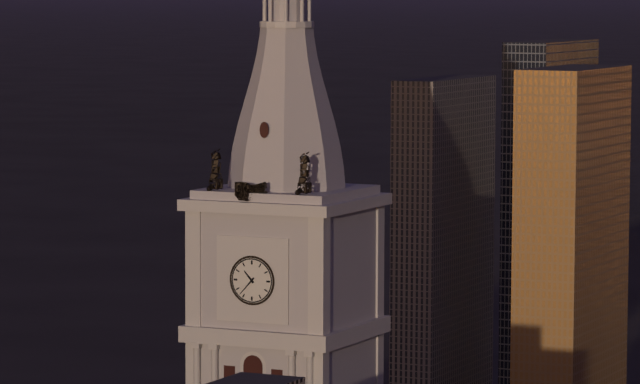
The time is **10:37**
